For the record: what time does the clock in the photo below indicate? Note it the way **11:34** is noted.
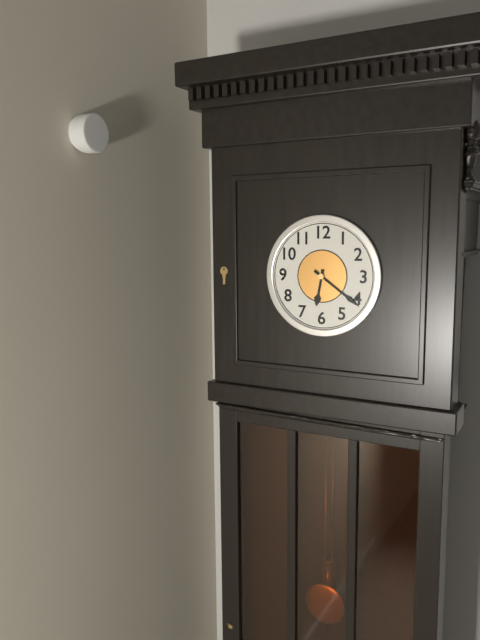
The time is **6:21**
